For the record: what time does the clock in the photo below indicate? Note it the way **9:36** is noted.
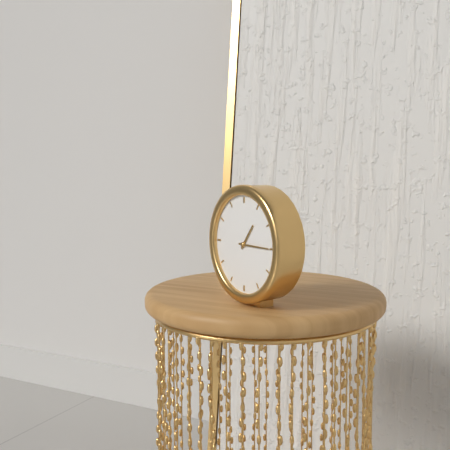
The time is **1:15**
